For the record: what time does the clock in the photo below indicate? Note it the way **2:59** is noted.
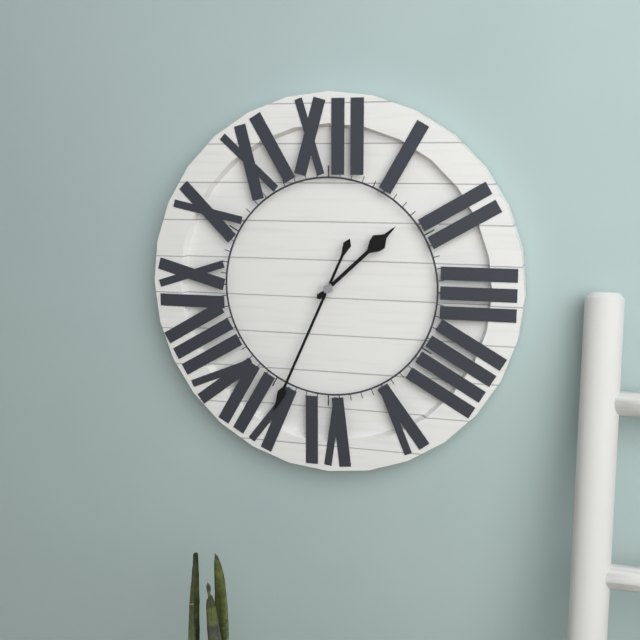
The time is **1:34**
